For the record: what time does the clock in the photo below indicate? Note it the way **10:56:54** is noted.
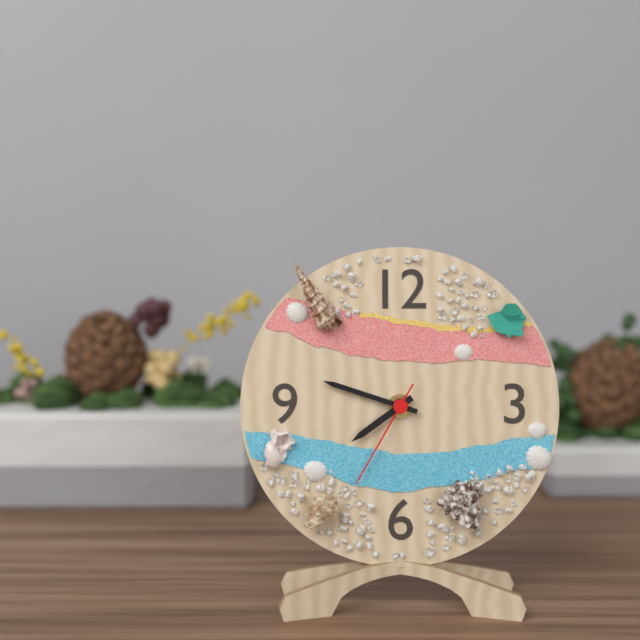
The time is **7:48:35**
